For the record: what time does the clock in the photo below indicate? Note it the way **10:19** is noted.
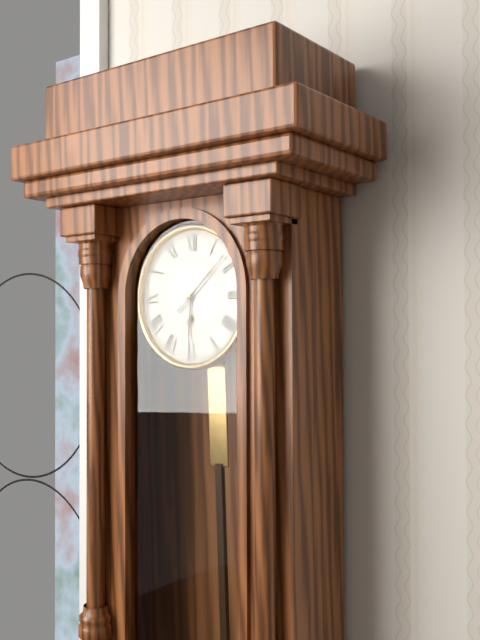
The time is **6:08**
